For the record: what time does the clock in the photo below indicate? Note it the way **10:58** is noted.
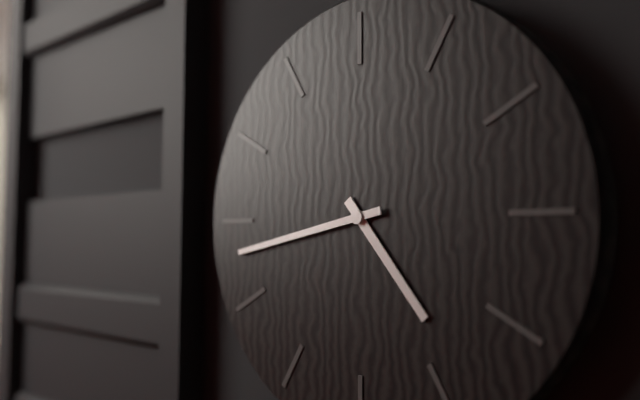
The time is **4:43**
